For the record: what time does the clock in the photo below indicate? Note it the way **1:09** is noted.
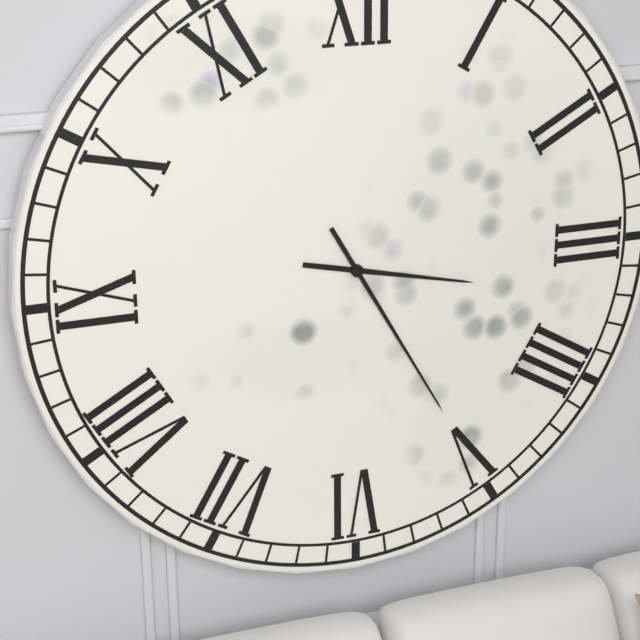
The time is **3:25**
